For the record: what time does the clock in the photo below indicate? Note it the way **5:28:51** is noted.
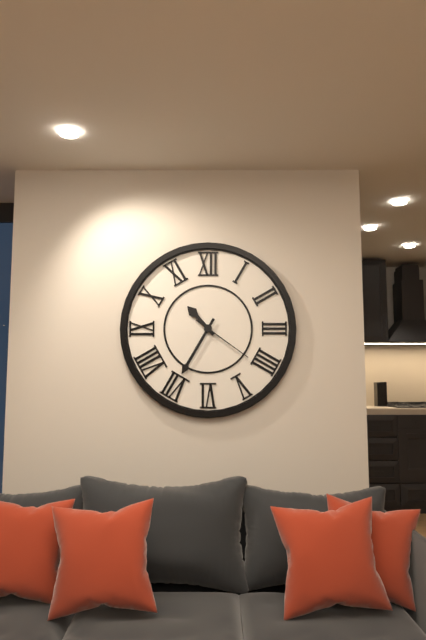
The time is **10:35:21**
